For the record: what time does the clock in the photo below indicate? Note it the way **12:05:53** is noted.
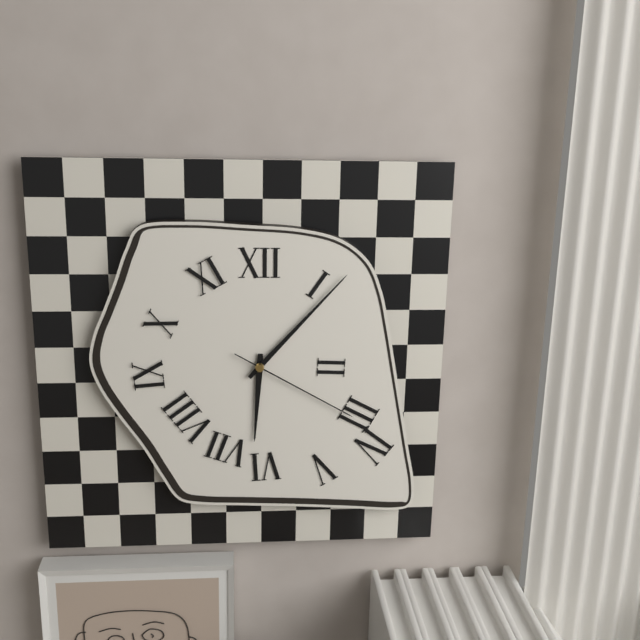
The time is **6:07:20**
